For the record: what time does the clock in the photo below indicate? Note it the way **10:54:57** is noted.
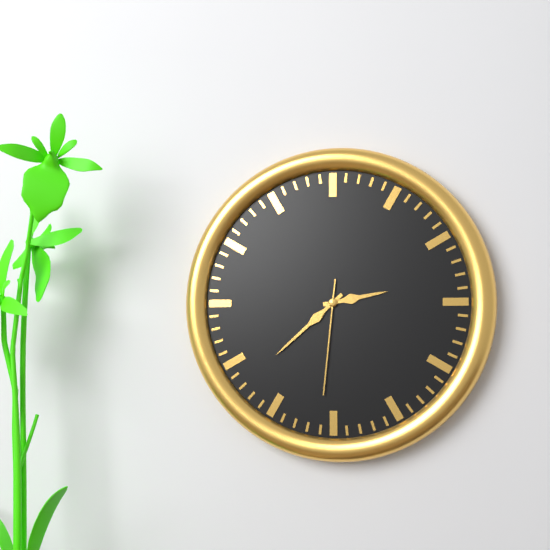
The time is **2:38:31**
